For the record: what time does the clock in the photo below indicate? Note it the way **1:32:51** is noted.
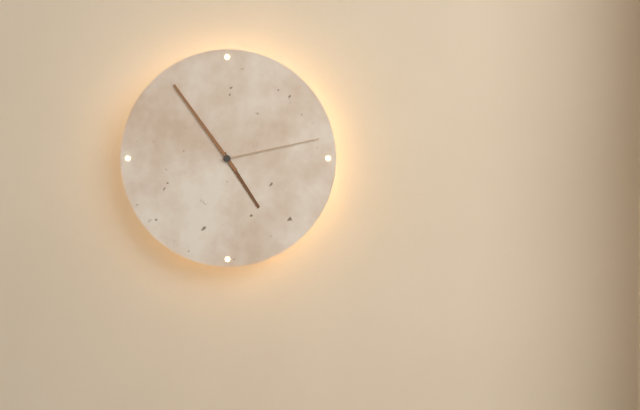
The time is **4:54:13**
